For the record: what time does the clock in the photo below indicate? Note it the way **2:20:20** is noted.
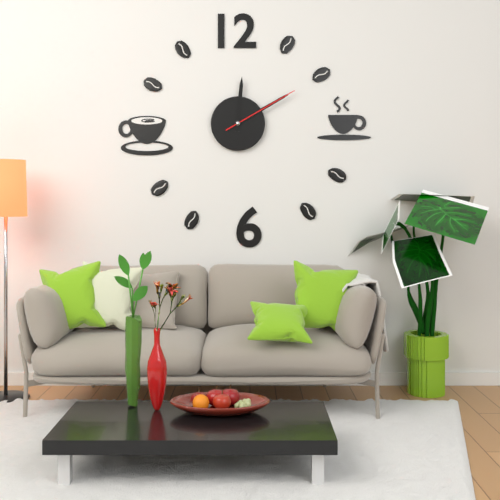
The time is **12:10:10**
